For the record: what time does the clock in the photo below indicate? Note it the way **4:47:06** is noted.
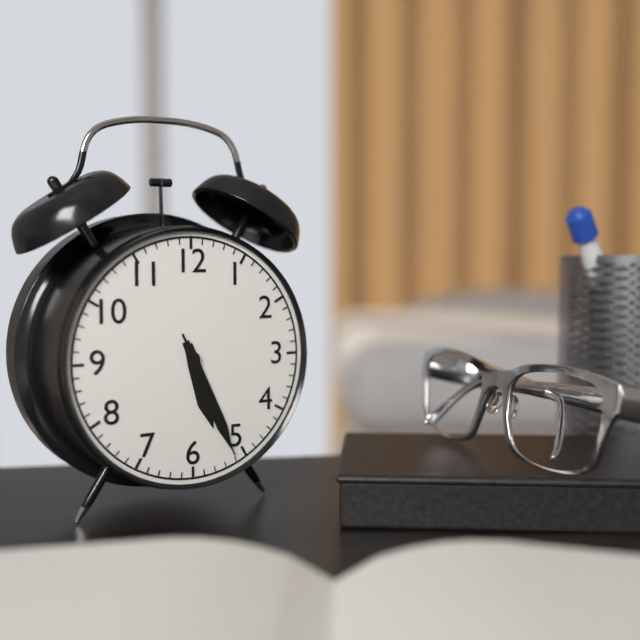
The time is **5:26:26**
